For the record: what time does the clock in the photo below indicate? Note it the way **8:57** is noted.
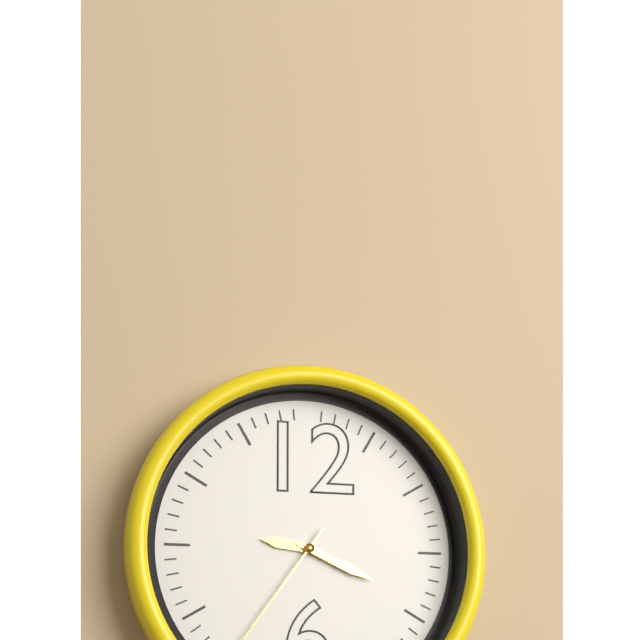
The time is **9:19**
